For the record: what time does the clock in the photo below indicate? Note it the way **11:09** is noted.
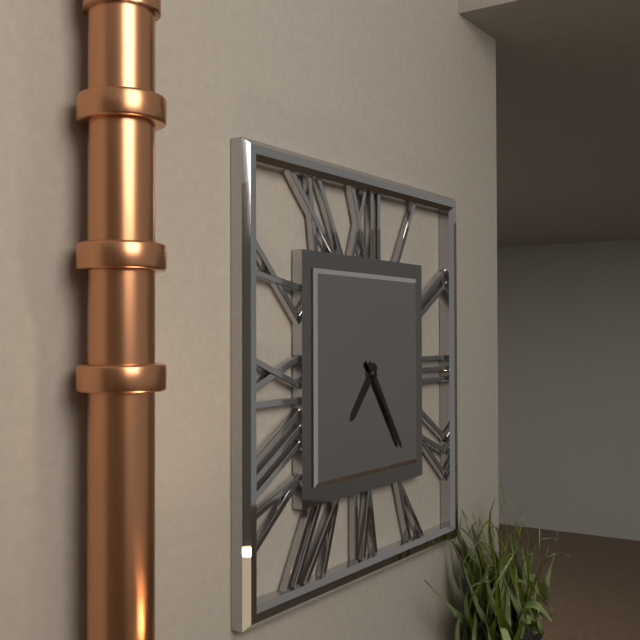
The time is **7:24**
